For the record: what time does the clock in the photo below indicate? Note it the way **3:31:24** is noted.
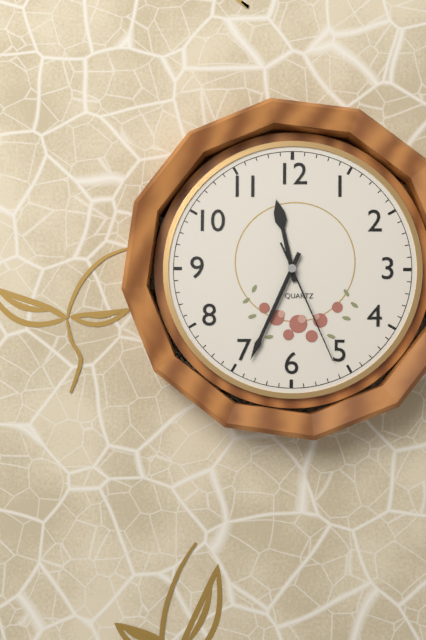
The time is **11:34:26**
